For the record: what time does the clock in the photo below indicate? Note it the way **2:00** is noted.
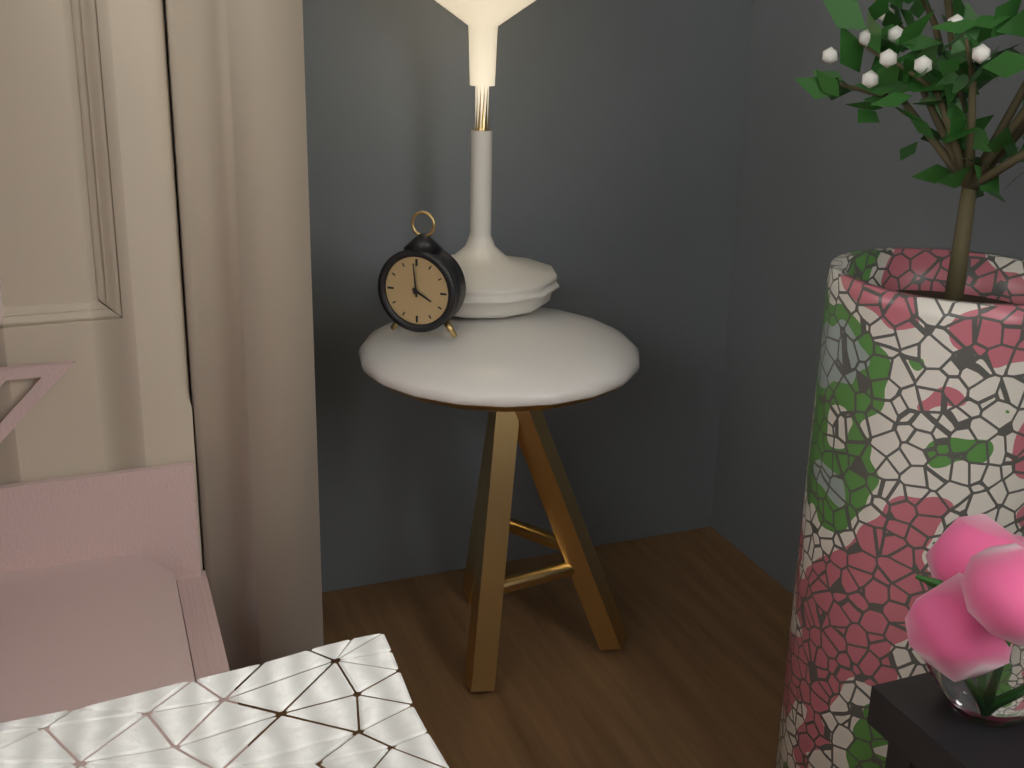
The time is **3:59**
